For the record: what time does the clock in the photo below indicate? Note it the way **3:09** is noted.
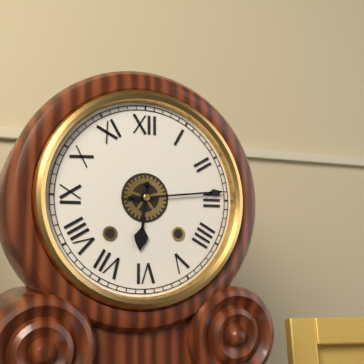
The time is **6:14**
